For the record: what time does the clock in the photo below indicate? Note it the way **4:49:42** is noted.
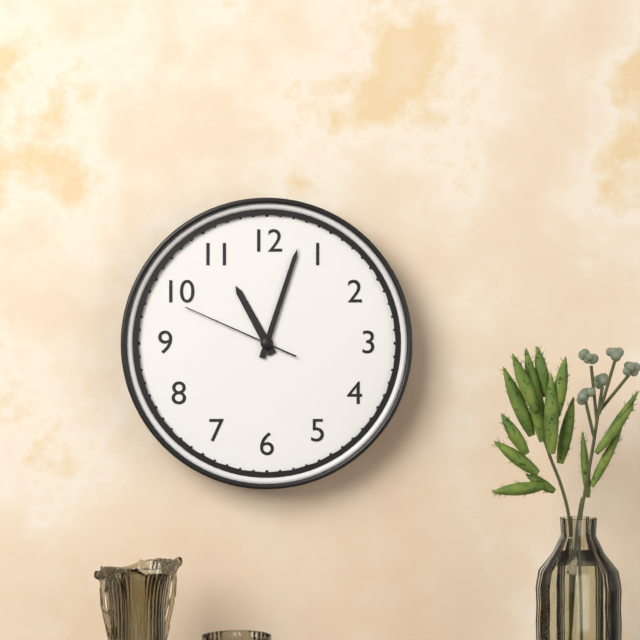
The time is **11:03:49**
